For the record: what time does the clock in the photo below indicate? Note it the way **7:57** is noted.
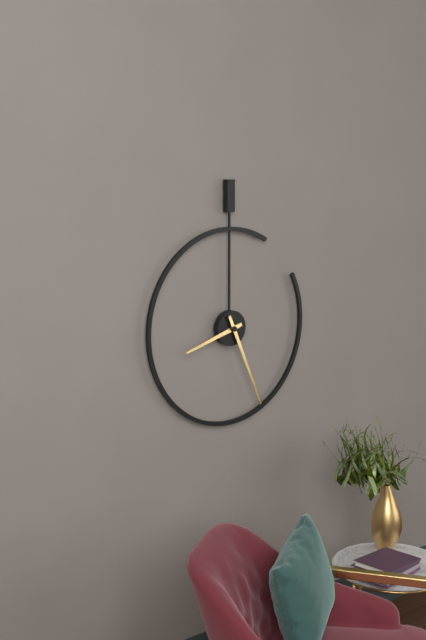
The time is **8:26**
